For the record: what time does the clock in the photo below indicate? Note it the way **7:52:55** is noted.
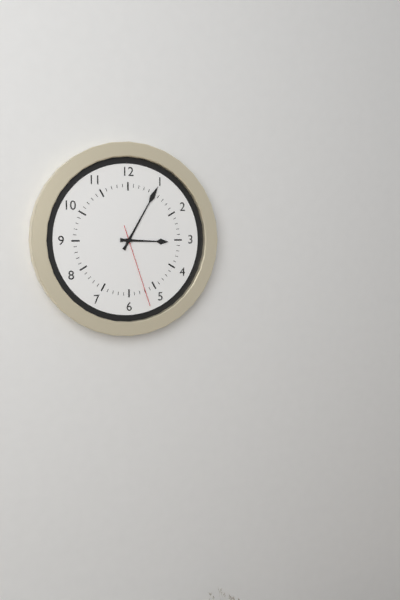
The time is **3:05:27**
